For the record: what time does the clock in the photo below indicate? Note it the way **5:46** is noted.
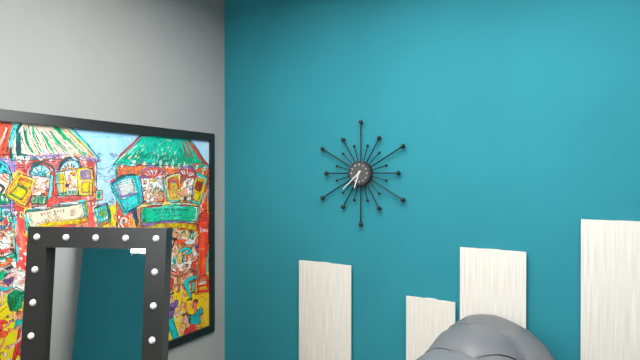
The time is **6:38**
